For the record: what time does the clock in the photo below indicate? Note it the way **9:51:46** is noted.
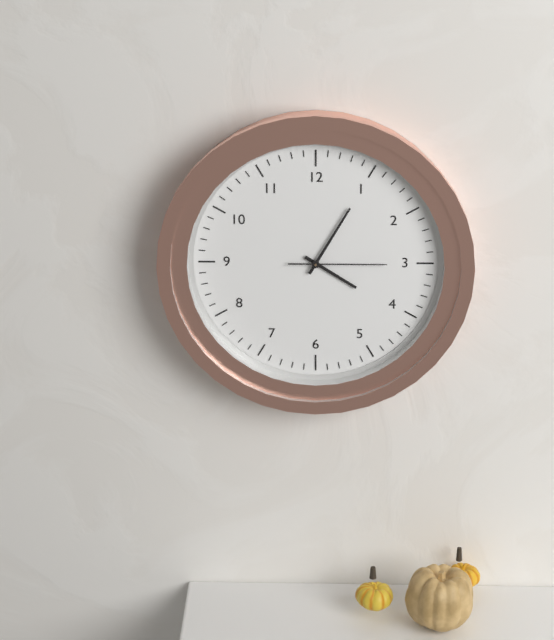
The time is **4:05:15**
